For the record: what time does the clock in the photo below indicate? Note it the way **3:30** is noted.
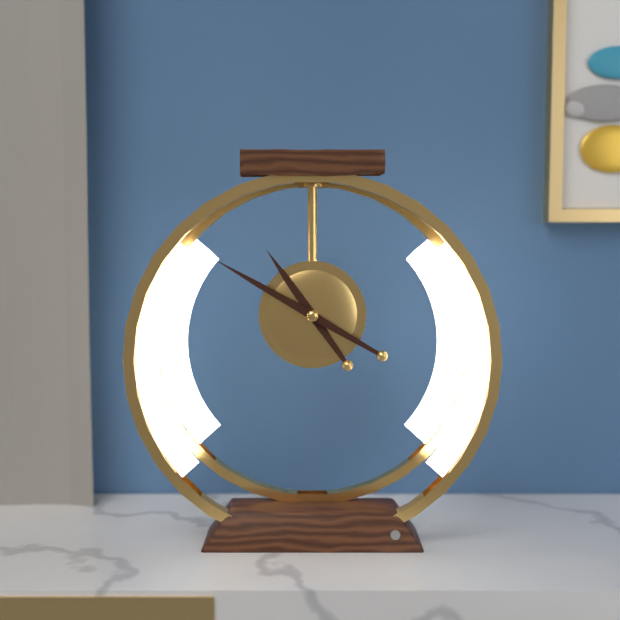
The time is **10:50**
